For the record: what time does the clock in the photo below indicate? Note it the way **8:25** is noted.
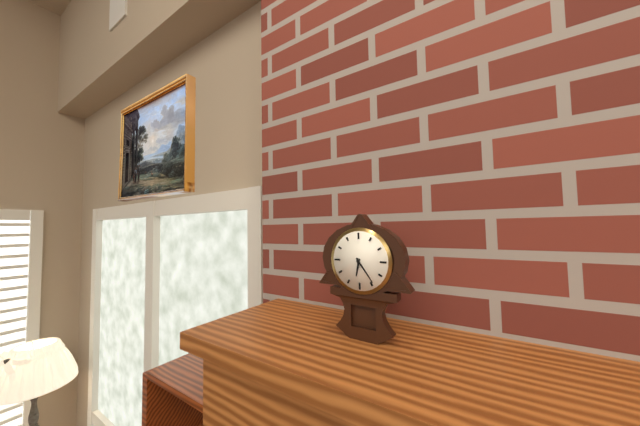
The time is **6:24**
